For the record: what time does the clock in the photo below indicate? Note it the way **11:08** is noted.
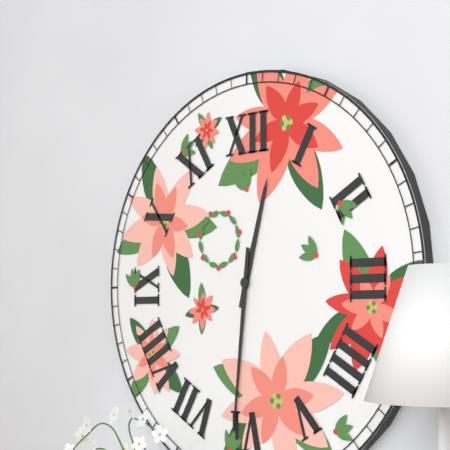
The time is **12:31**
